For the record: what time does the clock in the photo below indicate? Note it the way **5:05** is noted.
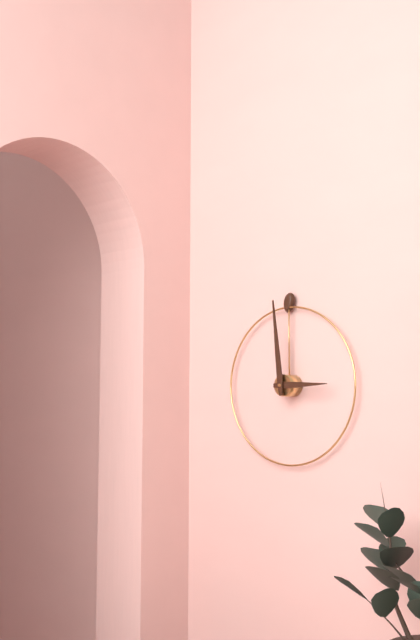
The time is **2:59**
